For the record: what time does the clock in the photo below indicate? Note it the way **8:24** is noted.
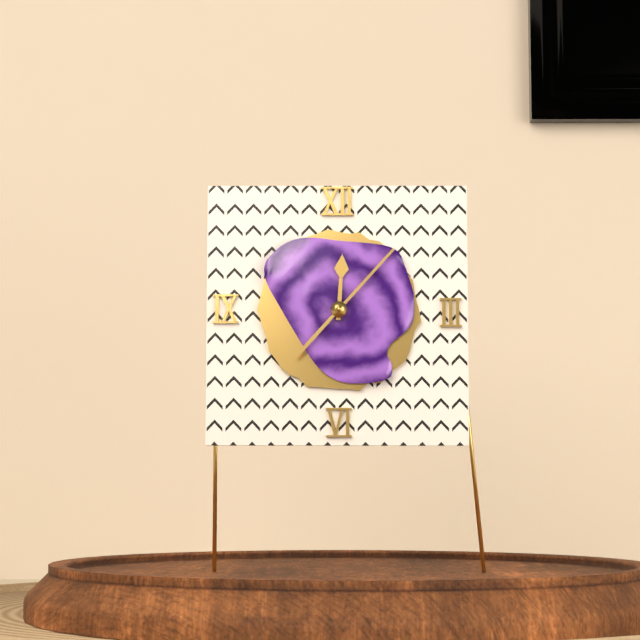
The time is **12:07**
